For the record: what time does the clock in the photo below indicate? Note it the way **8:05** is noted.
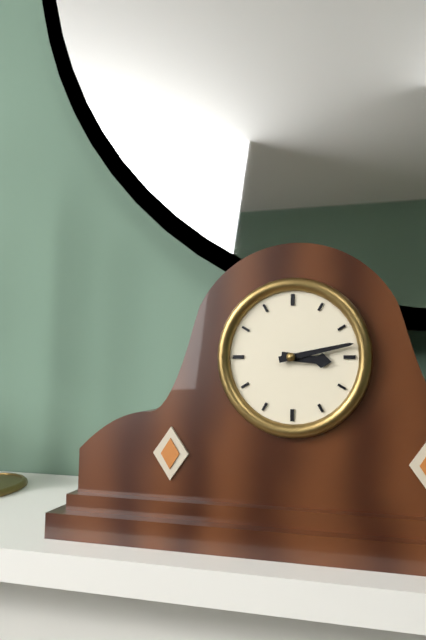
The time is **3:13**
